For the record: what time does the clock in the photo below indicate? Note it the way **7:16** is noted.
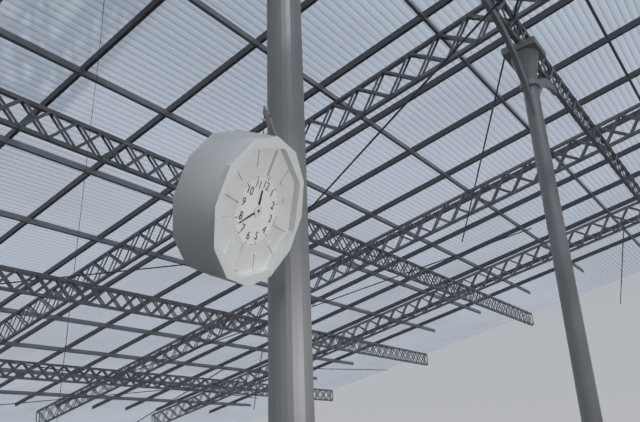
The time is **11:38**
